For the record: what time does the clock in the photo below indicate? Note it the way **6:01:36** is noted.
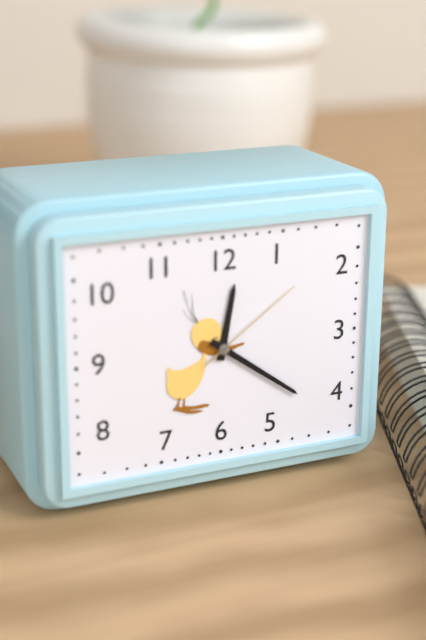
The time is **12:21:09**
